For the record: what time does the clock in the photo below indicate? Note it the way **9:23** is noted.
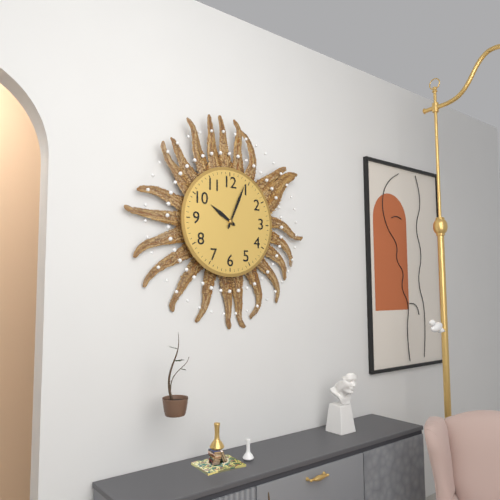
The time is **10:04**
